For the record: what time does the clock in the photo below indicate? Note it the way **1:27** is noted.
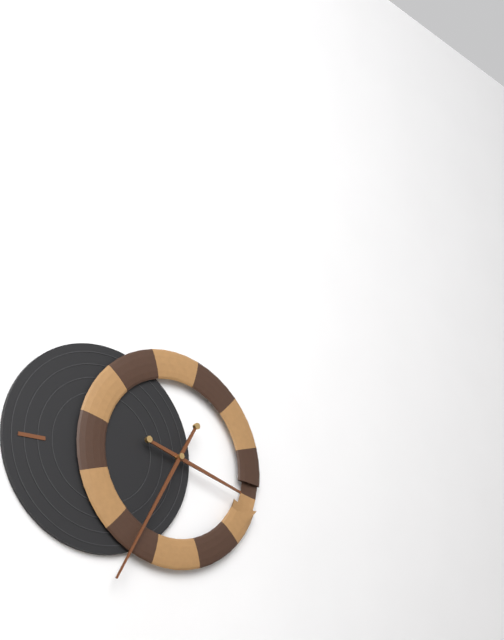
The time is **3:35**
